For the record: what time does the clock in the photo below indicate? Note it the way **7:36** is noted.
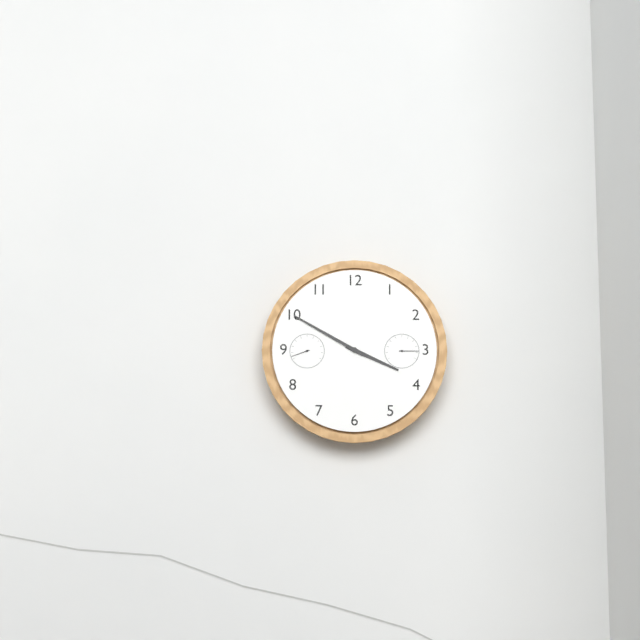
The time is **3:50**
